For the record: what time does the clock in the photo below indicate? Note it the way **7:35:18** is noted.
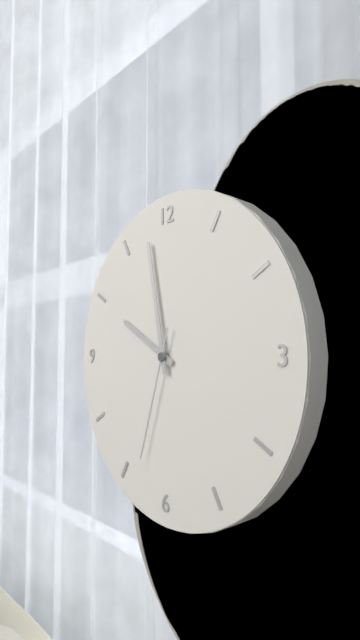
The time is **9:58:33**
